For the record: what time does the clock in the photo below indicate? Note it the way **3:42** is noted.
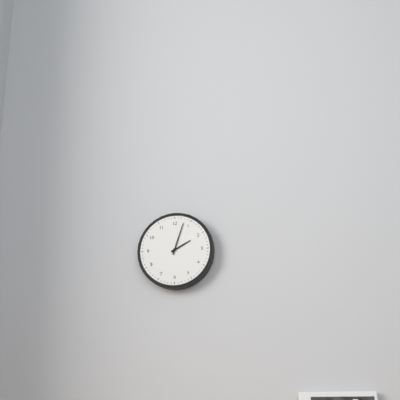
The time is **2:03**
